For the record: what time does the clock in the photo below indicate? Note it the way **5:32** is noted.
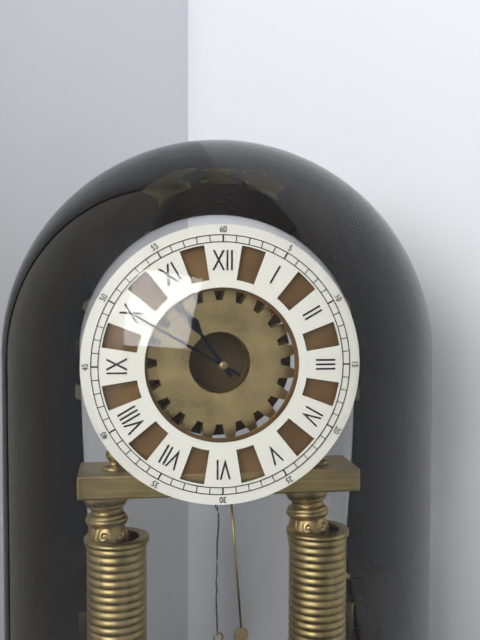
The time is **10:50**
